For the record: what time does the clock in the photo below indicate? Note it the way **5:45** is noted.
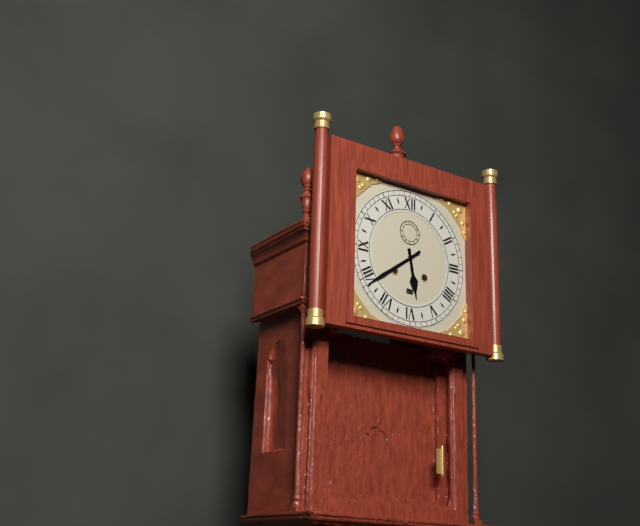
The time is **5:39**
